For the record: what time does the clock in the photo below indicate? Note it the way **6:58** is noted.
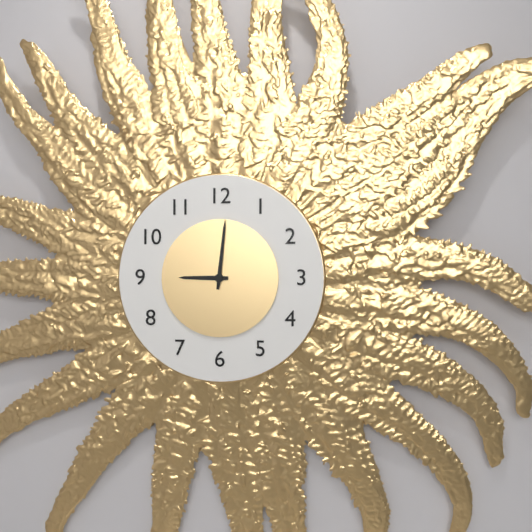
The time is **9:01**
